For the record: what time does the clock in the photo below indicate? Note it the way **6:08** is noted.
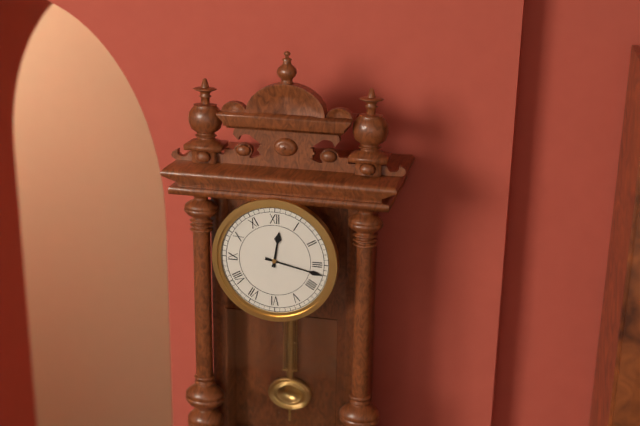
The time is **12:17**
